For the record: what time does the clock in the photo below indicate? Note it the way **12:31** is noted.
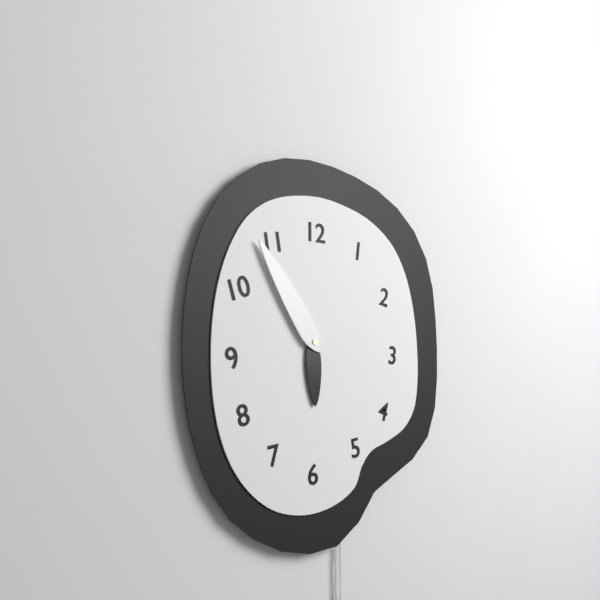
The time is **5:54**
